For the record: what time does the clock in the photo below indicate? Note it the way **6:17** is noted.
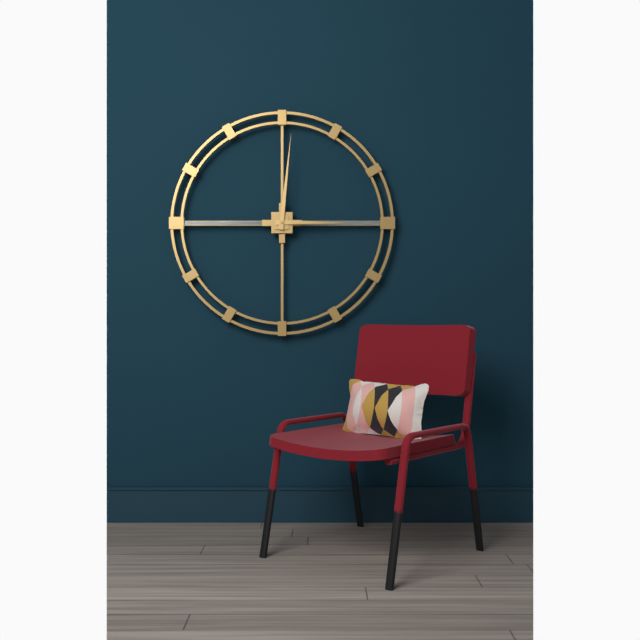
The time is **3:01**
